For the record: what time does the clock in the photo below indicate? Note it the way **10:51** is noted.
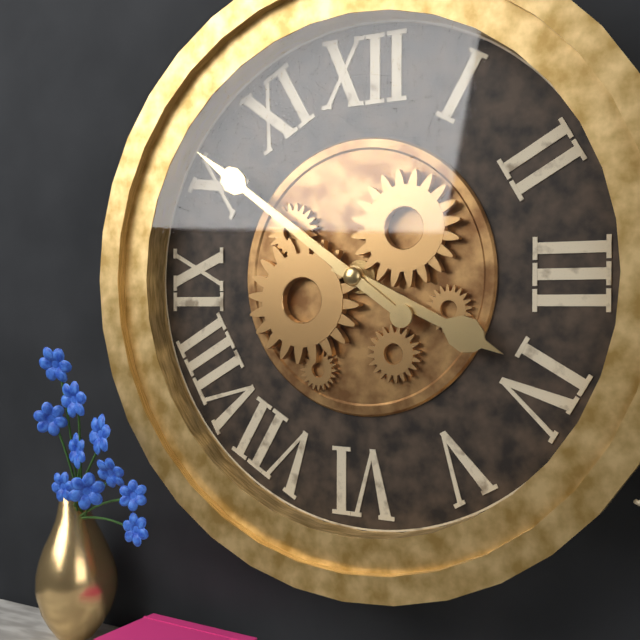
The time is **3:51**
